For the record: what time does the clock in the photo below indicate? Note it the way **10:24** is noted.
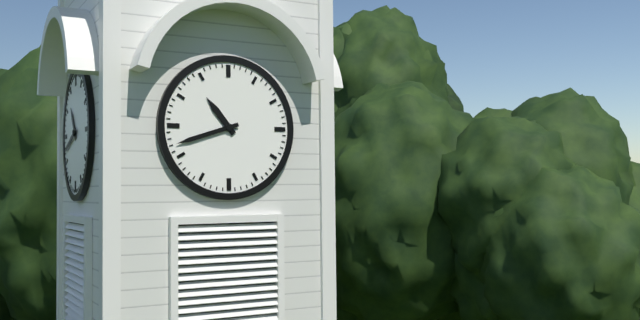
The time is **10:42**
